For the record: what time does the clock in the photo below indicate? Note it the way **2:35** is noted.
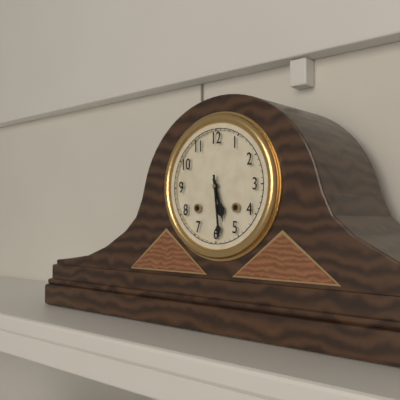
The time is **5:29**
